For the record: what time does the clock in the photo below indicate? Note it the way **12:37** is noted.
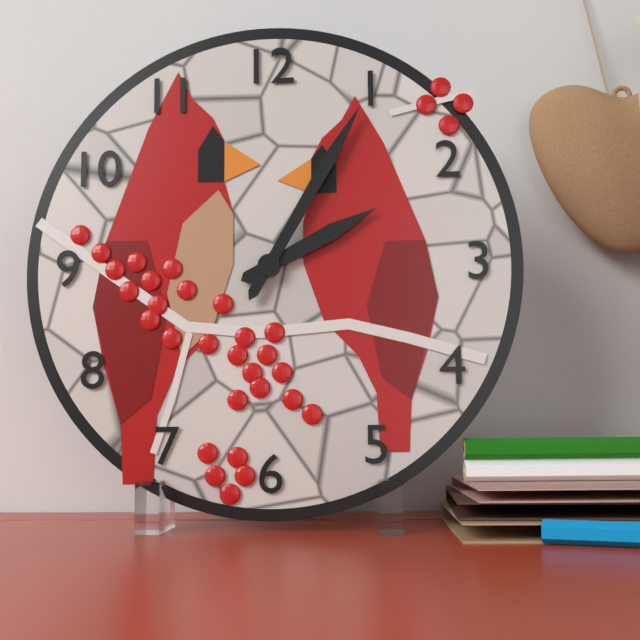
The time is **2:05**
